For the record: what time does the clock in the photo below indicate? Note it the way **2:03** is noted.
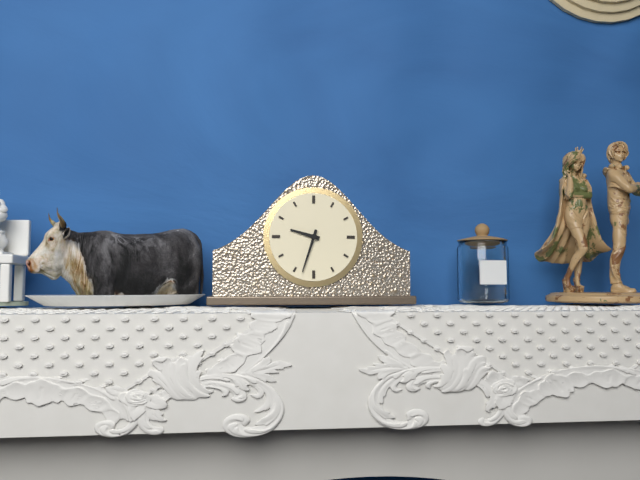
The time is **9:33**
